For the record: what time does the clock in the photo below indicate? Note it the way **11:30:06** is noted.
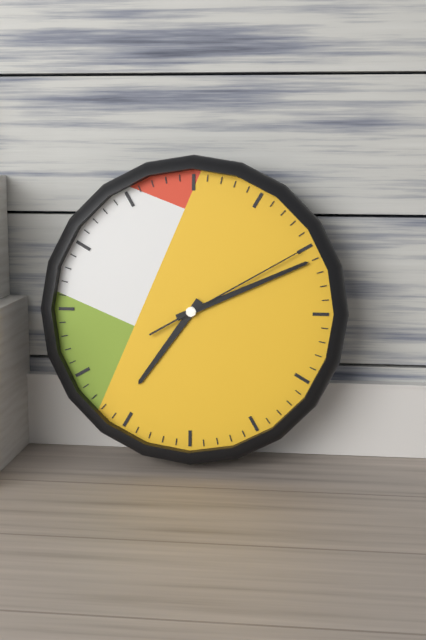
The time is **7:11:10**
